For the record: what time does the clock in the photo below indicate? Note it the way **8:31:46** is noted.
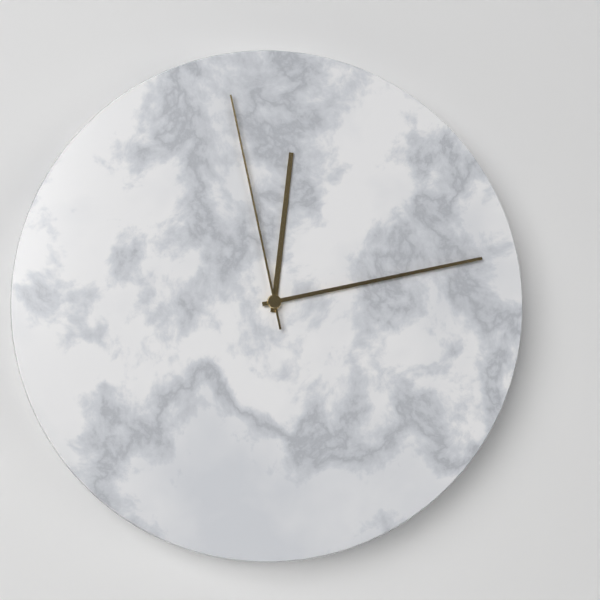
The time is **12:13:58**
